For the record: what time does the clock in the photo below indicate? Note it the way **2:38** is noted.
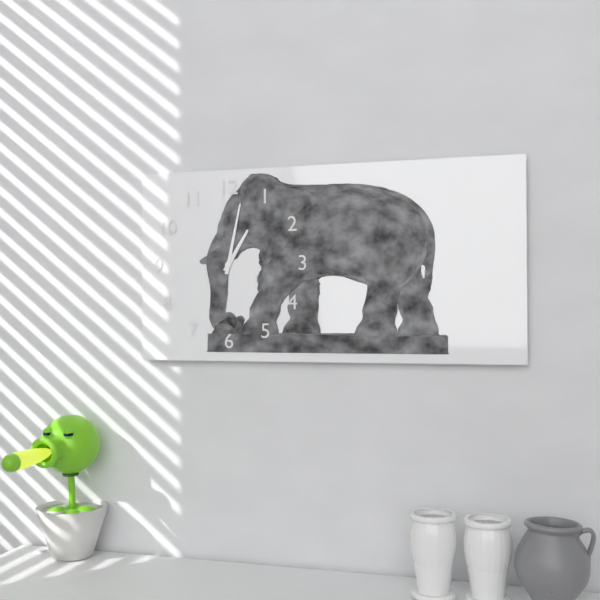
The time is **1:02**
